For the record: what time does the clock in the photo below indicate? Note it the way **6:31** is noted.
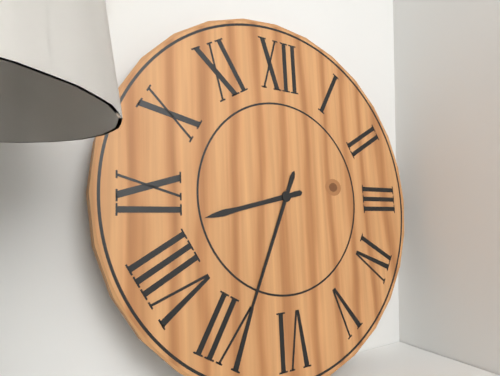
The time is **8:34**
